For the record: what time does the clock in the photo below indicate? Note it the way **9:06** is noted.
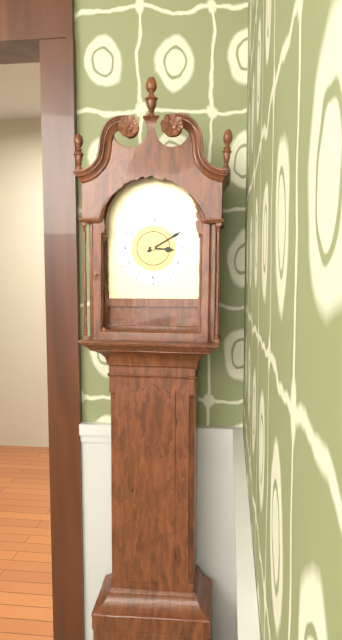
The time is **3:10**
